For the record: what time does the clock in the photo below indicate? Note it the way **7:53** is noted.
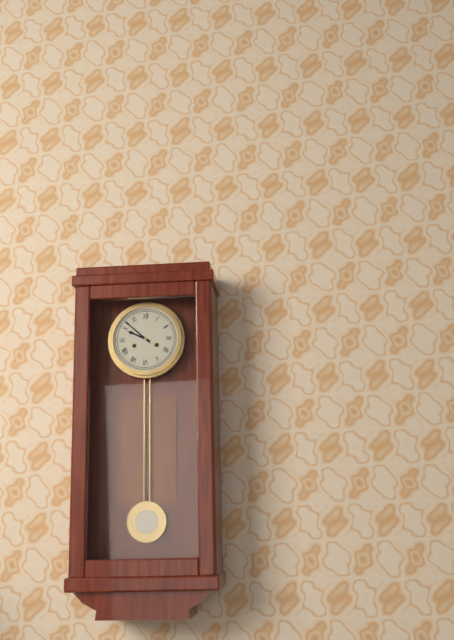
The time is **9:52**
